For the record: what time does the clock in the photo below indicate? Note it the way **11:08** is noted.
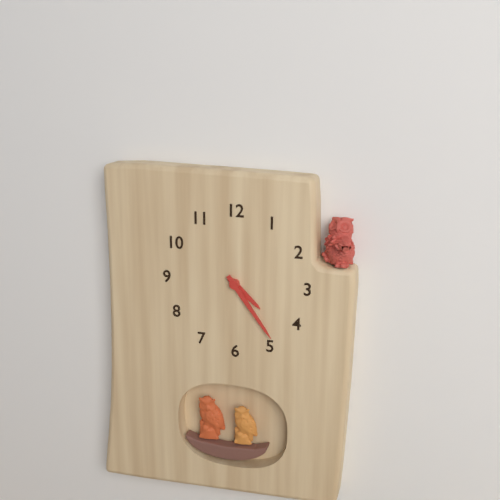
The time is **4:24**
